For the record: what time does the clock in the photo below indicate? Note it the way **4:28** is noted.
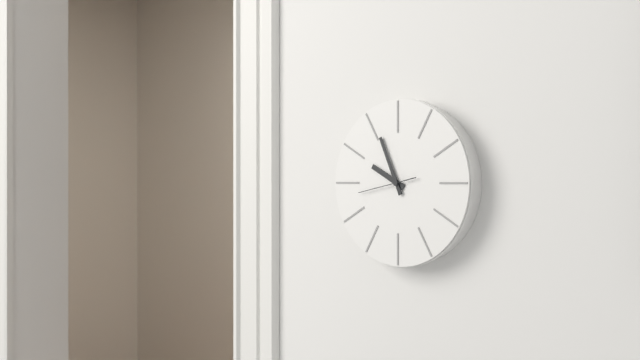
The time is **9:56**
